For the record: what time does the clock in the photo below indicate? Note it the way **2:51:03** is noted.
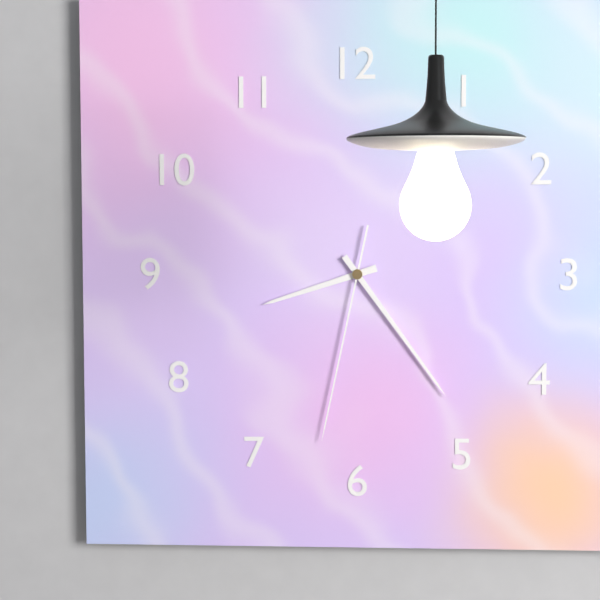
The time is **8:24:32**
